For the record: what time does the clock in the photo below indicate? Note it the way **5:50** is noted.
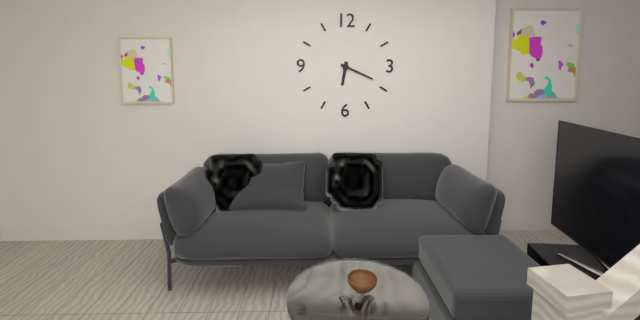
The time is **6:19**
